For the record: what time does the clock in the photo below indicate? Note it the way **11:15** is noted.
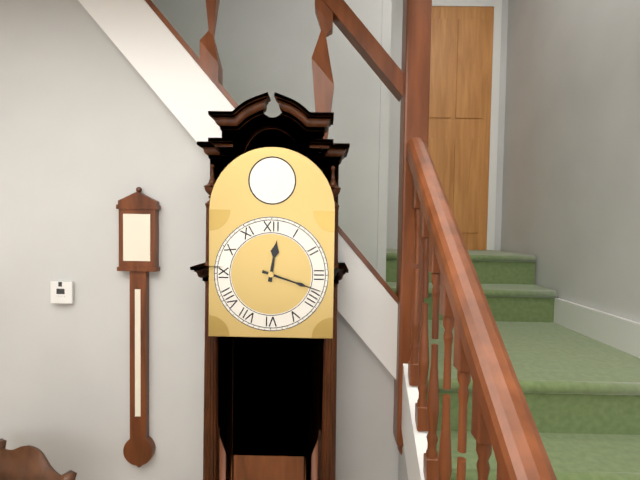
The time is **12:18**
